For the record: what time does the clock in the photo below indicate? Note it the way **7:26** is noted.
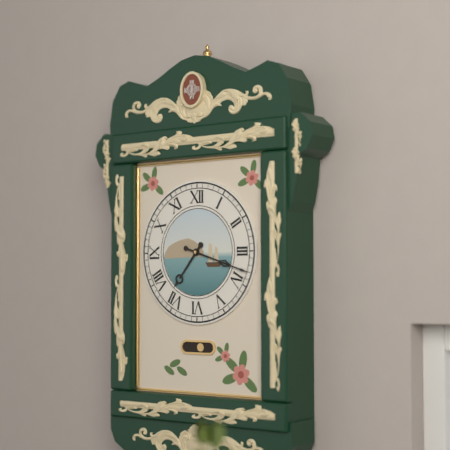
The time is **7:18**
